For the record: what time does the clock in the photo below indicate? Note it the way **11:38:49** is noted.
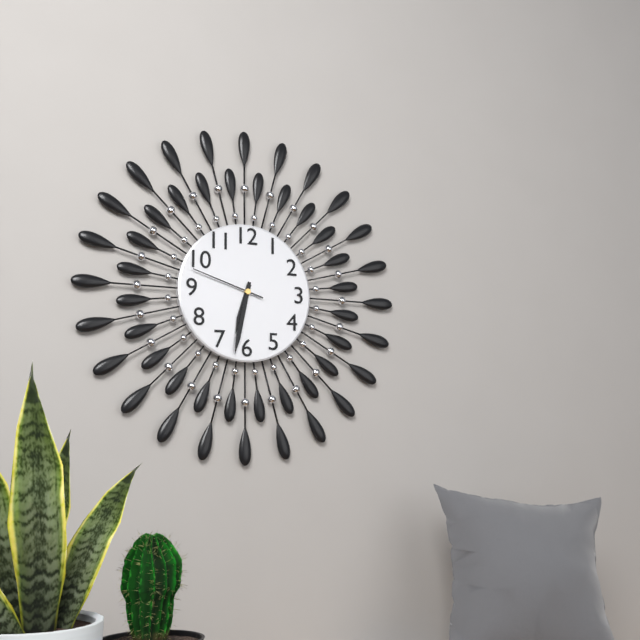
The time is **6:32:48**
